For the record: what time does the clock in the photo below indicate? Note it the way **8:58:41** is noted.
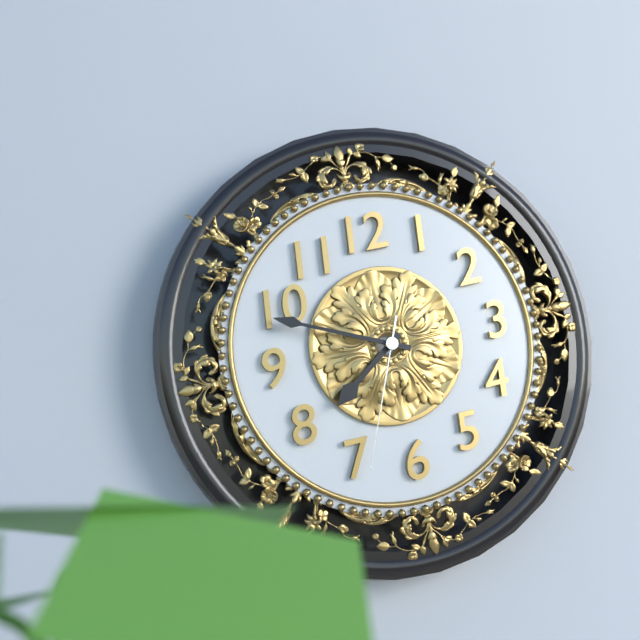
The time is **7:49:34**
